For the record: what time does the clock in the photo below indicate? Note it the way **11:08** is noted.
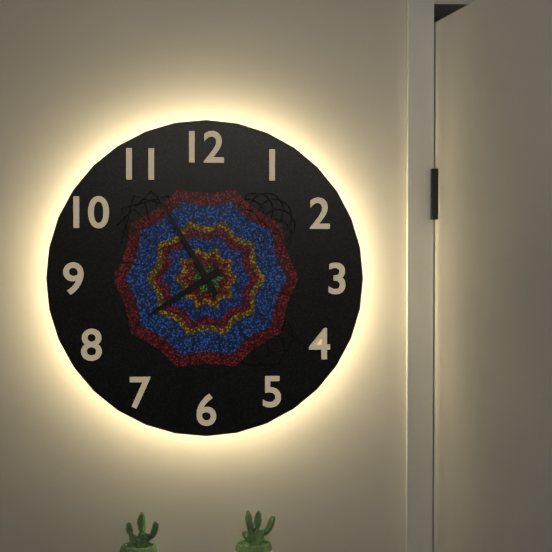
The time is **7:55**
